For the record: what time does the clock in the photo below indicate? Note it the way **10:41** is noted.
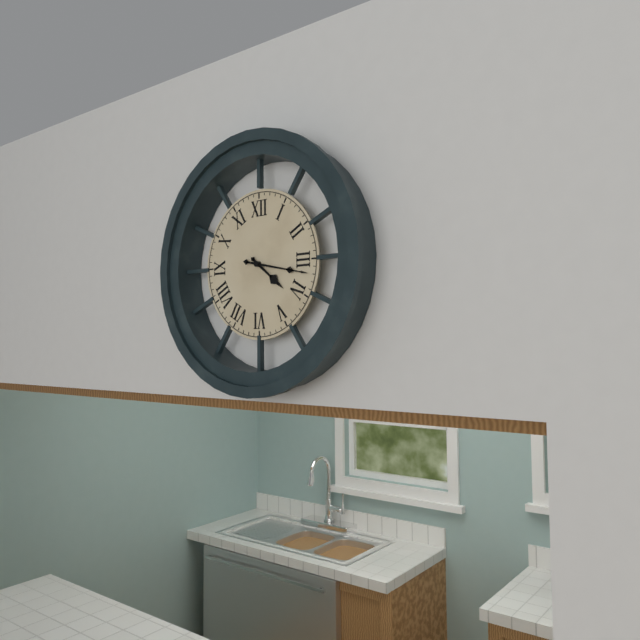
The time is **4:17**
